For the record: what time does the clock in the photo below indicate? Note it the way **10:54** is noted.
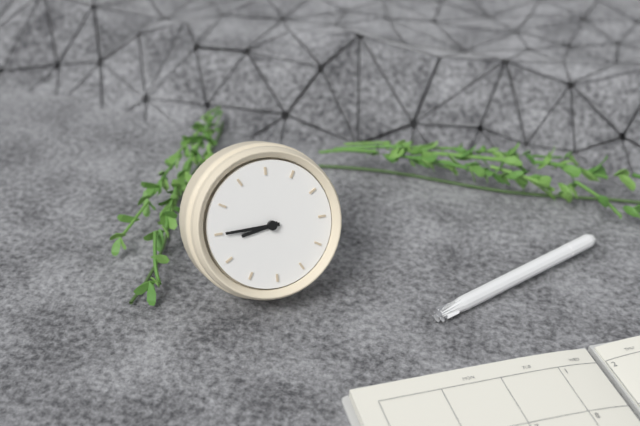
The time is **7:40**
